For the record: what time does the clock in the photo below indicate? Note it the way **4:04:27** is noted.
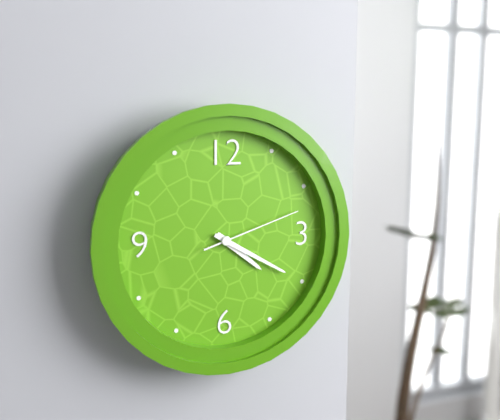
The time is **4:20:12**
